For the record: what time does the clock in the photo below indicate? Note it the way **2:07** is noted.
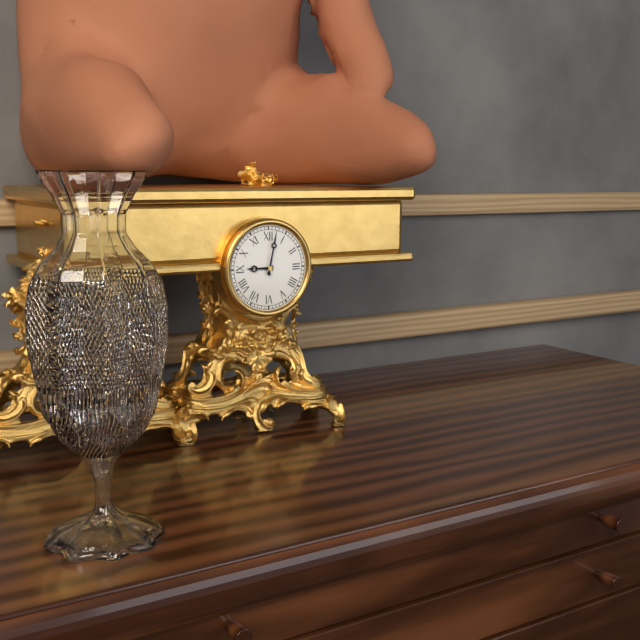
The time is **9:02**
